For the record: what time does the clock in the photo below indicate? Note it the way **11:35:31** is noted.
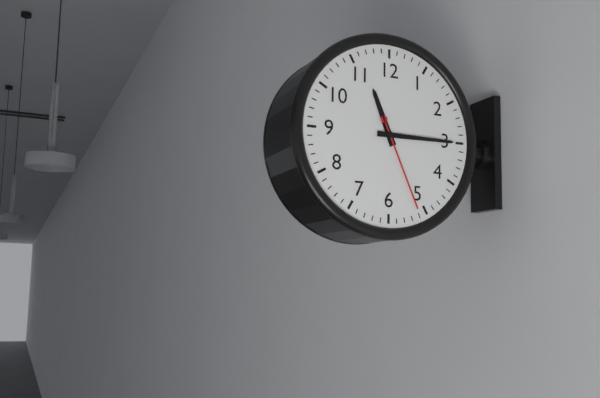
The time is **11:15:26**
